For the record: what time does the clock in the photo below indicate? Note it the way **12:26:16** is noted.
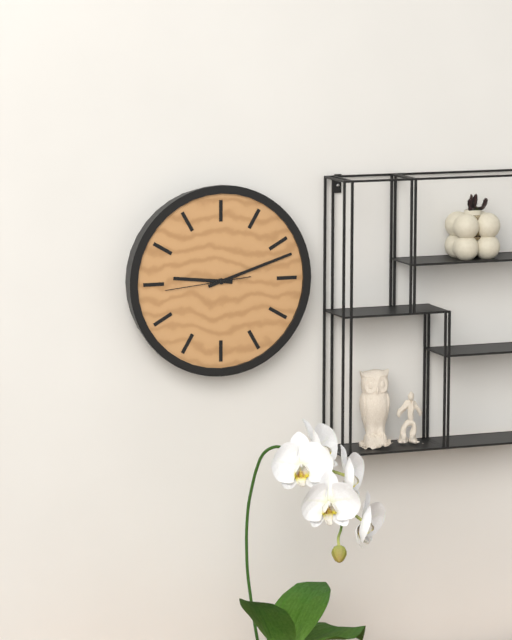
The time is **9:12:44**
